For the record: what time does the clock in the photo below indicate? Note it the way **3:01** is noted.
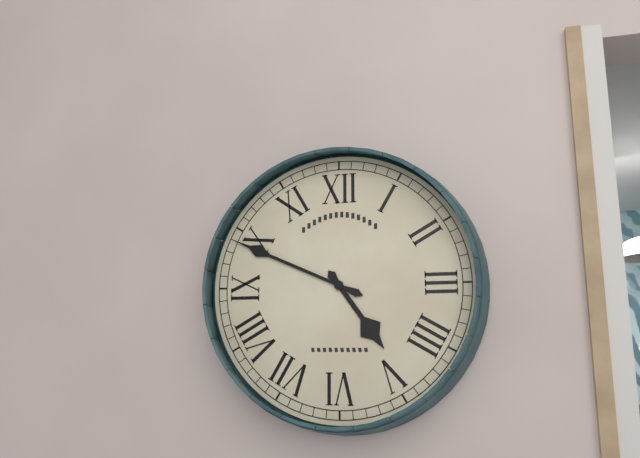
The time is **4:49**
